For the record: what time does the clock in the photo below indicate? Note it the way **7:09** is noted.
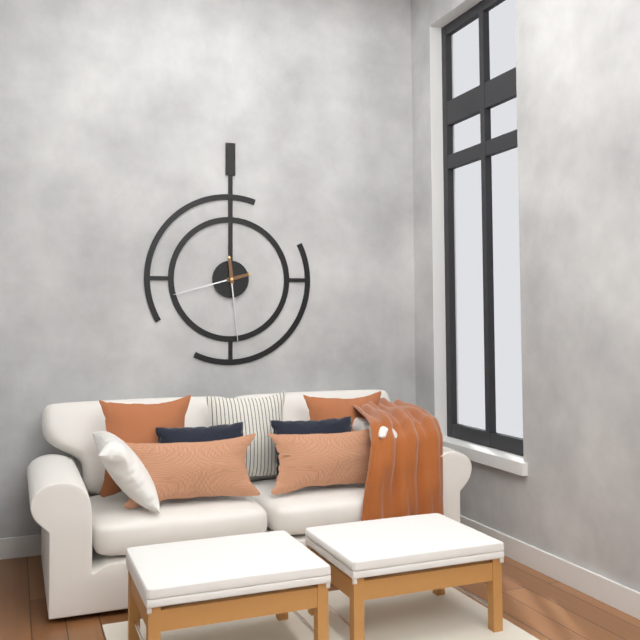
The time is **8:29**
